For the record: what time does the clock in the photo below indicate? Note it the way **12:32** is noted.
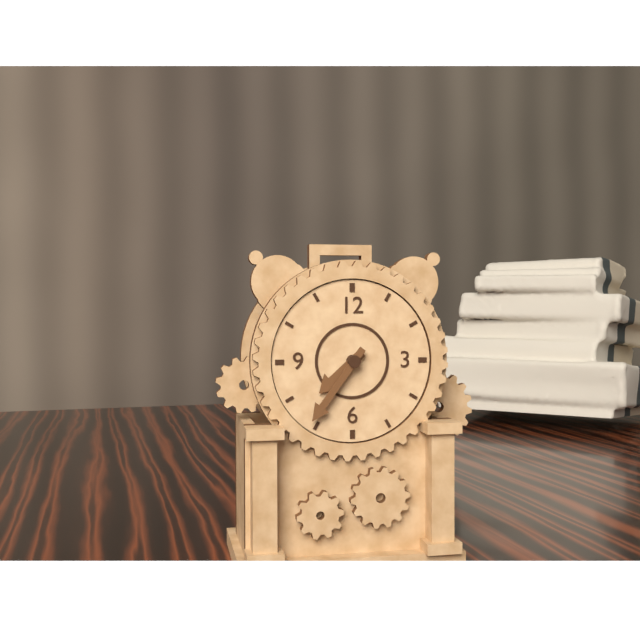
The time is **7:36**
